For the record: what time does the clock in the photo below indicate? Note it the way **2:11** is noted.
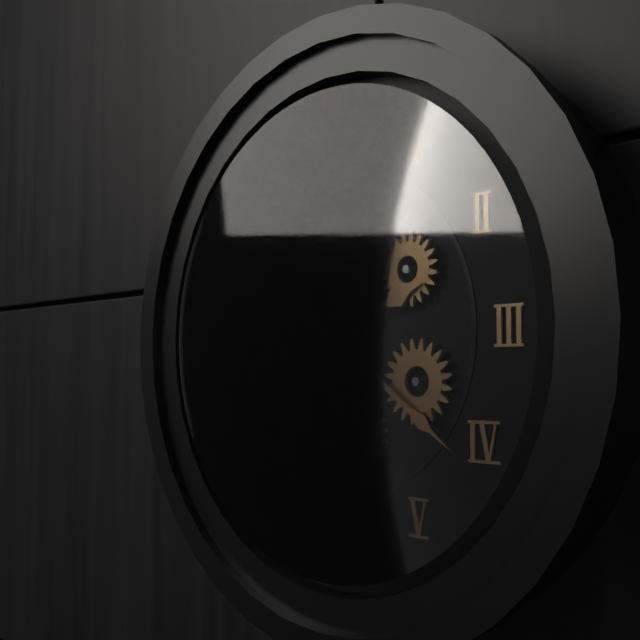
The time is **2:21**
